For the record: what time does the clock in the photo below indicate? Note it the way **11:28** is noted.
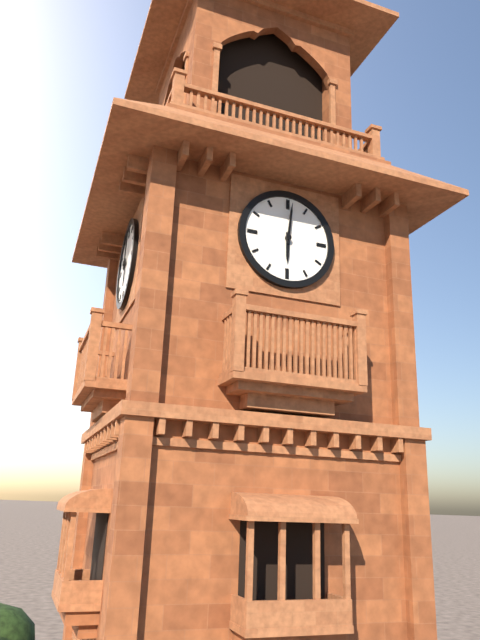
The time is **6:01**
